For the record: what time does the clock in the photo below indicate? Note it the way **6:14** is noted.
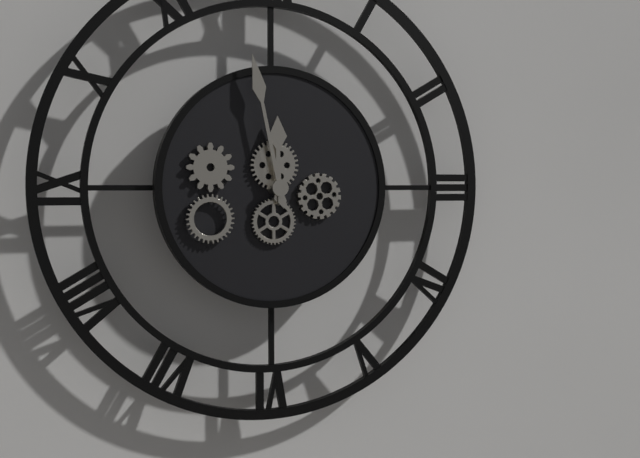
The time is **11:58**
